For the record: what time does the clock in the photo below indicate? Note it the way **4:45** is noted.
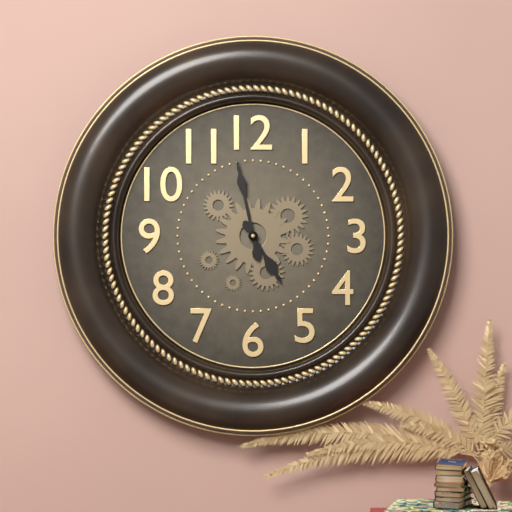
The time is **4:58**
